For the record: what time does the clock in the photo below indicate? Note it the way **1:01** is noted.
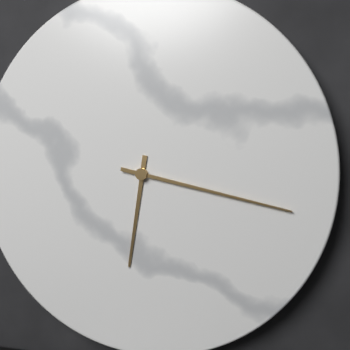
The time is **6:17**
